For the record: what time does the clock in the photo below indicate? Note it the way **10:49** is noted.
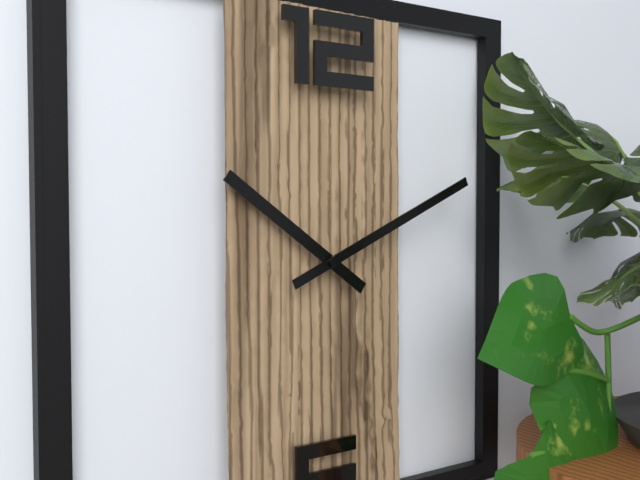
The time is **10:11**
